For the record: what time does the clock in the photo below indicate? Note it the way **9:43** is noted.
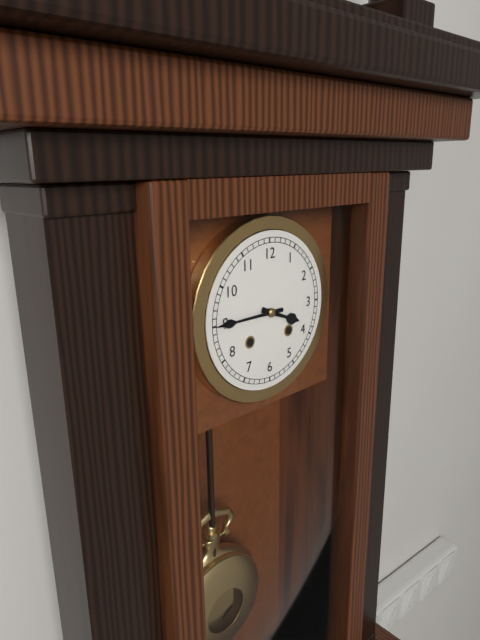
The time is **3:45**
